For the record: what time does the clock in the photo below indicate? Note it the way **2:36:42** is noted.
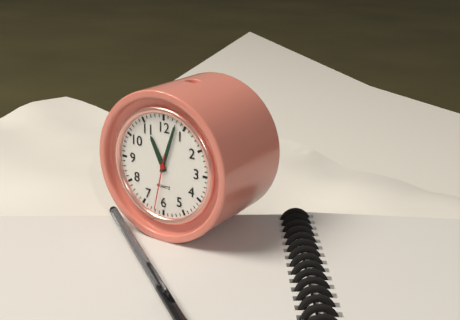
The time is **11:03:32**
